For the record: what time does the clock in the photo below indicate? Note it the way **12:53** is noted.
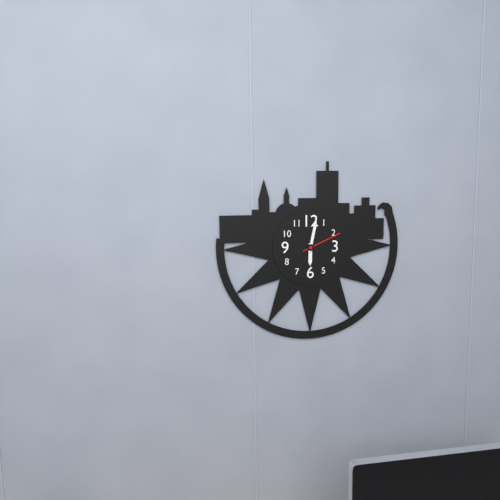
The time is **6:02**
